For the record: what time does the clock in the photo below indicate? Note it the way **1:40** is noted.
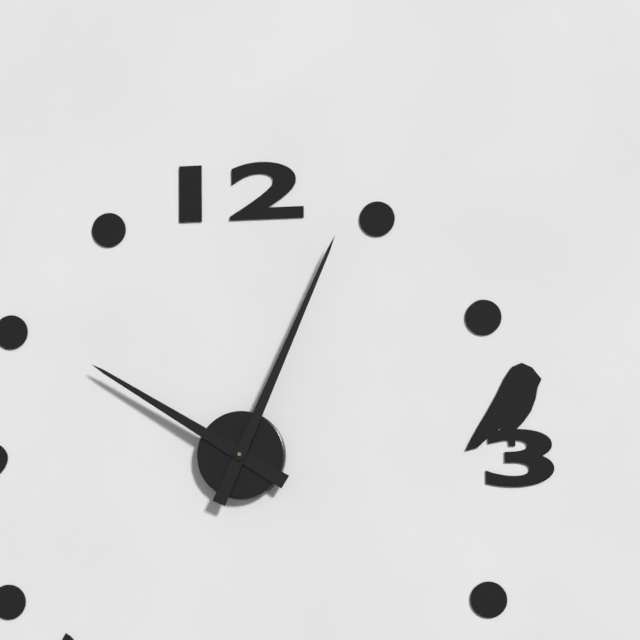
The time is **10:04**
